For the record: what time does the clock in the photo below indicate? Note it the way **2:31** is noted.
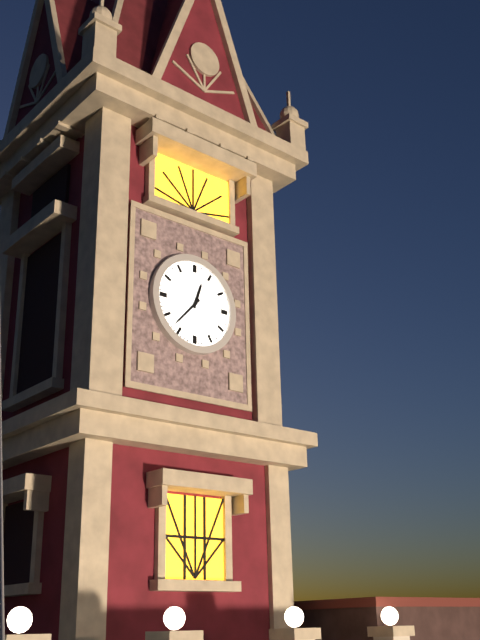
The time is **12:37**
